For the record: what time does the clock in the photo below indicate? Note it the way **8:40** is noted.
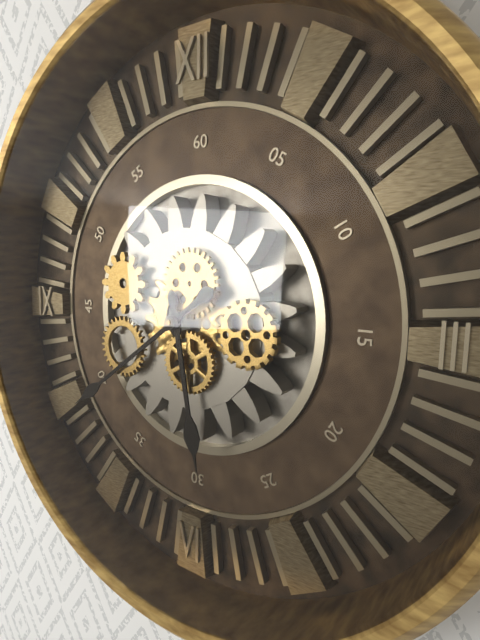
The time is **5:39**
